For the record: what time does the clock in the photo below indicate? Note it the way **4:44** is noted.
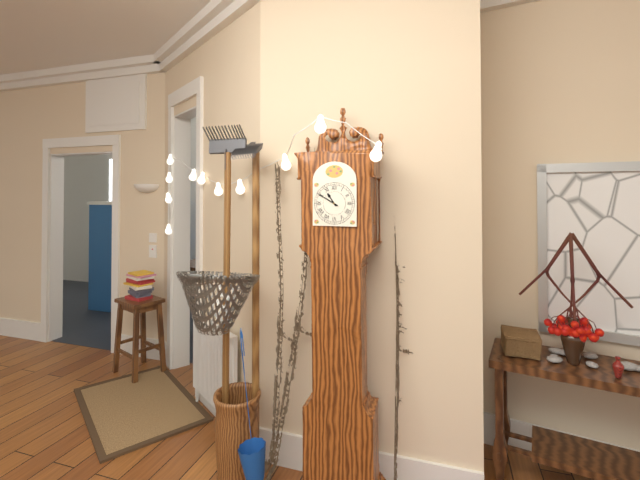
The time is **10:50**
